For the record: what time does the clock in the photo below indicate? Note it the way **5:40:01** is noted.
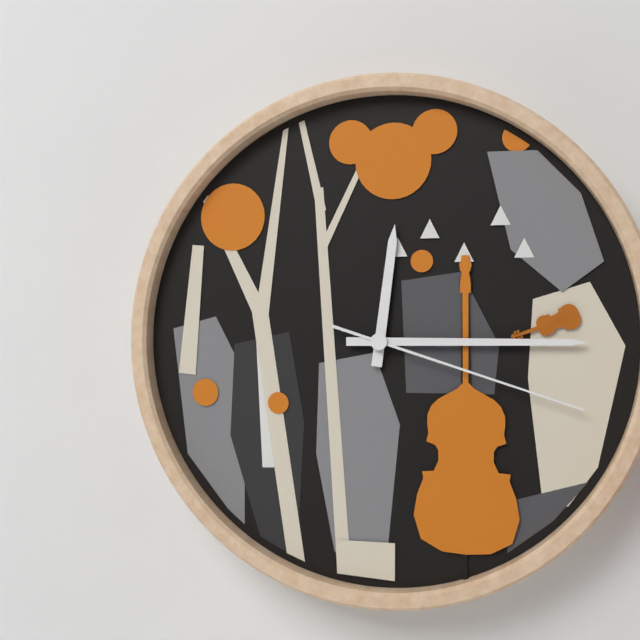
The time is **12:15:18**
